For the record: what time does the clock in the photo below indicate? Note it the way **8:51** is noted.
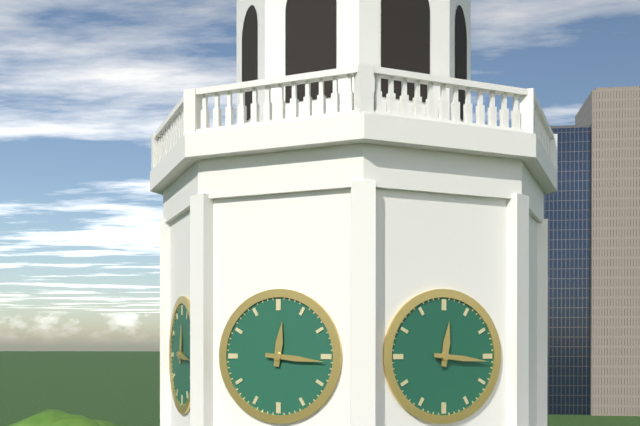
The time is **12:16**
